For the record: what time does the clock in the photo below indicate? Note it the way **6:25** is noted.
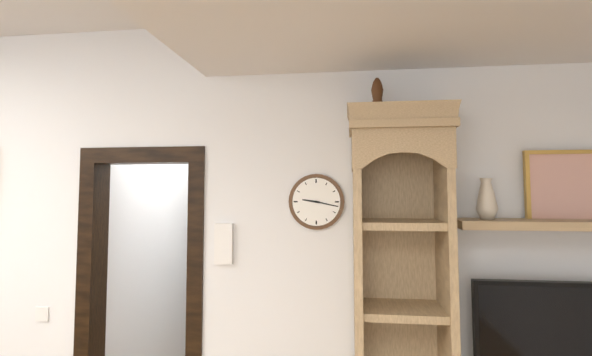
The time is **9:17**
